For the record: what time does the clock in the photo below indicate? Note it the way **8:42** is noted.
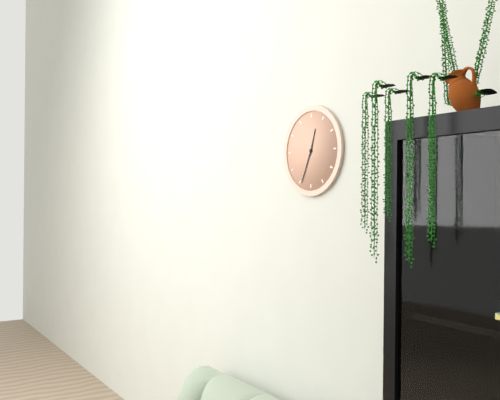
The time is **12:34**
